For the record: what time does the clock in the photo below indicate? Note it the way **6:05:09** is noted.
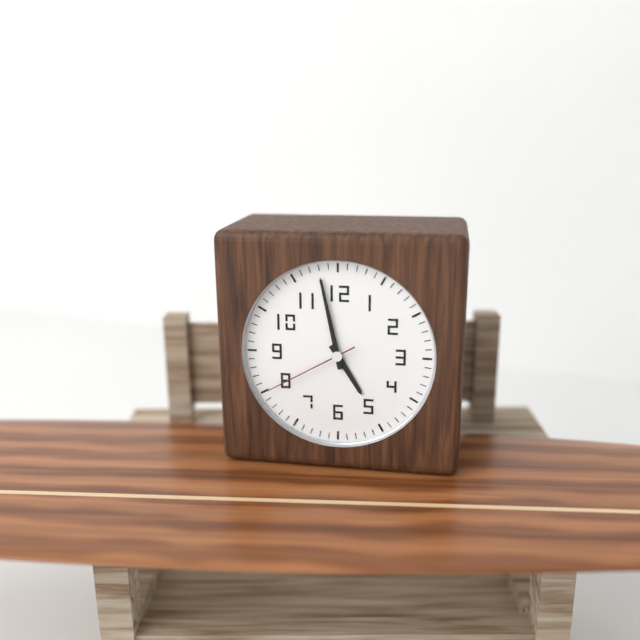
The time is **4:58:40**
